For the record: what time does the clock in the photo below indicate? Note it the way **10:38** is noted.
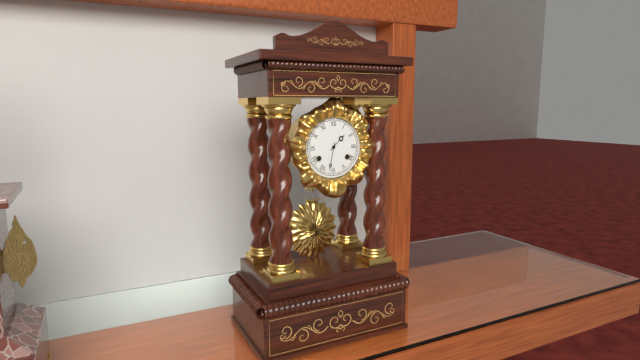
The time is **1:32**
